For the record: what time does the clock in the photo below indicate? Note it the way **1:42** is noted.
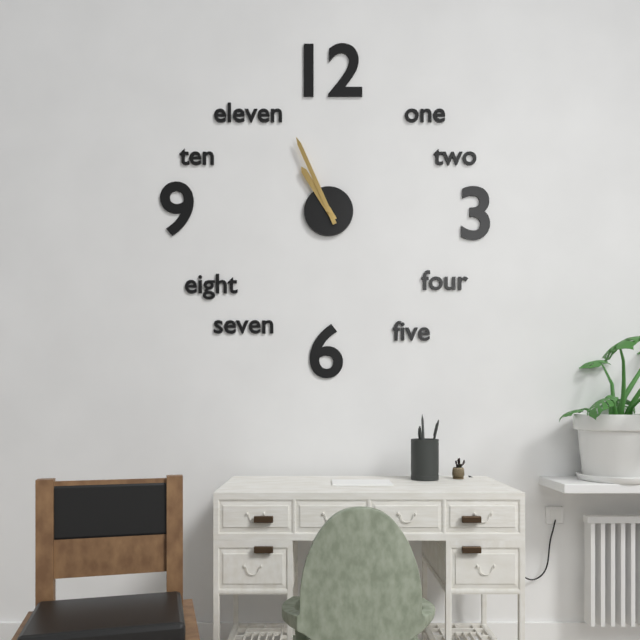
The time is **10:56**
